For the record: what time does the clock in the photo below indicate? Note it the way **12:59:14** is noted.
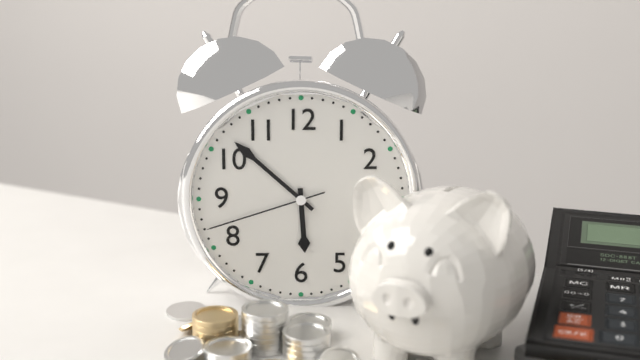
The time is **5:52:42**
